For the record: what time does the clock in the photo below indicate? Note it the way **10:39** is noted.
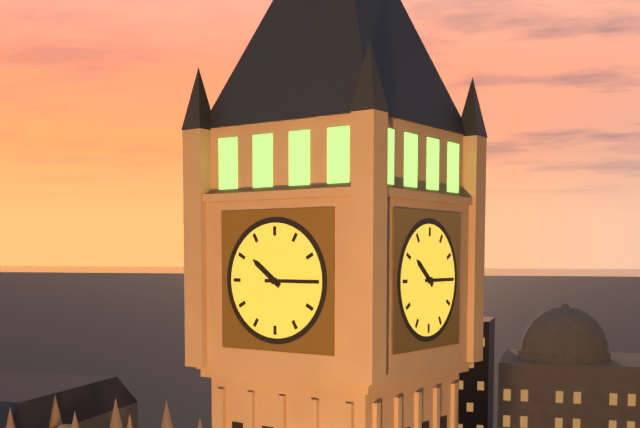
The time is **10:15**
